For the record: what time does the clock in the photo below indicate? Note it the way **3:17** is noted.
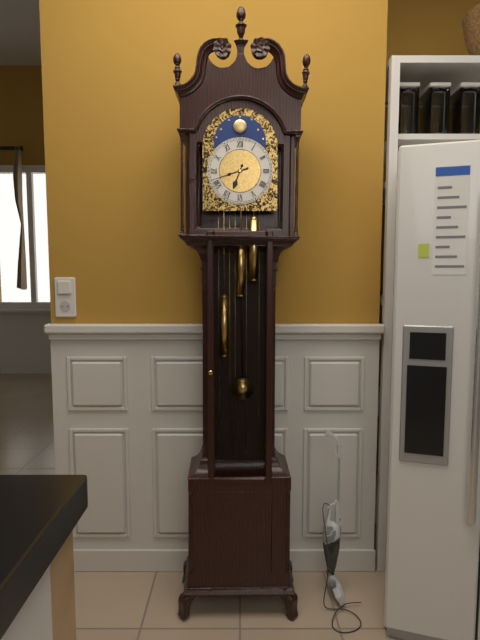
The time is **6:42**
